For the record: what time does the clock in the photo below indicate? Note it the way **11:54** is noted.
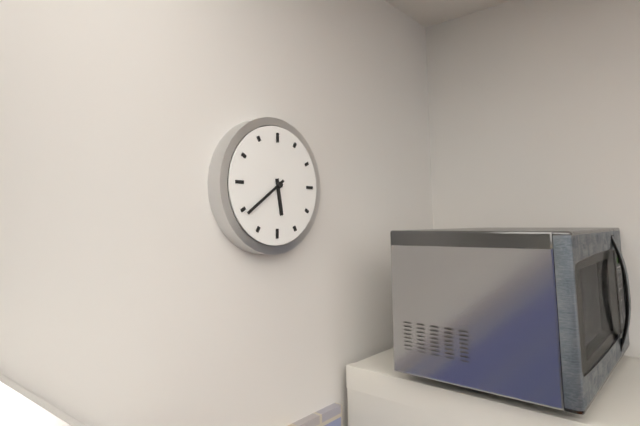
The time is **5:39**
